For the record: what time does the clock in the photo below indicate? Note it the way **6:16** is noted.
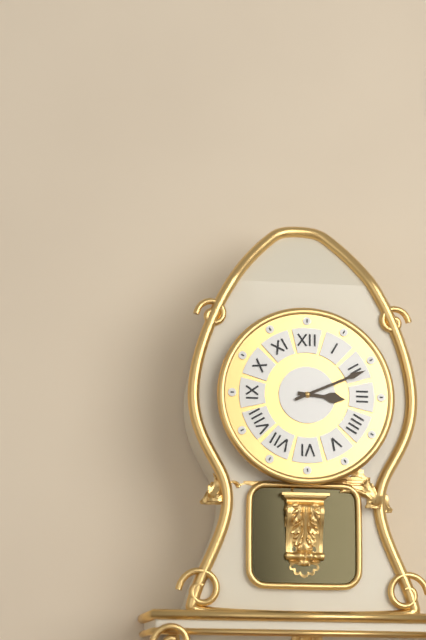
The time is **3:11**
